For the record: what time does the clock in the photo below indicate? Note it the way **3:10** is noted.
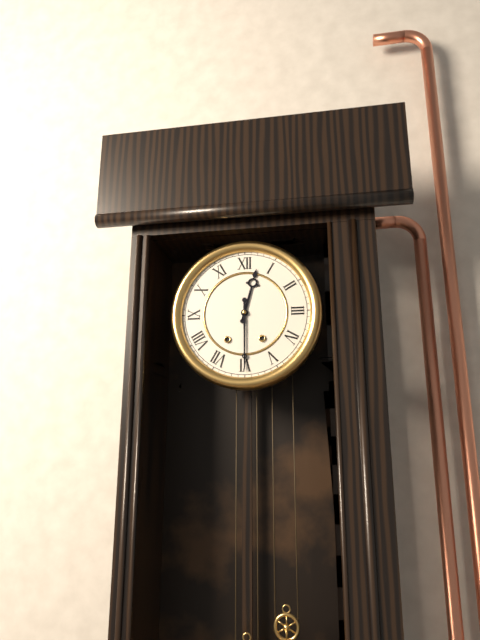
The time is **12:30**
